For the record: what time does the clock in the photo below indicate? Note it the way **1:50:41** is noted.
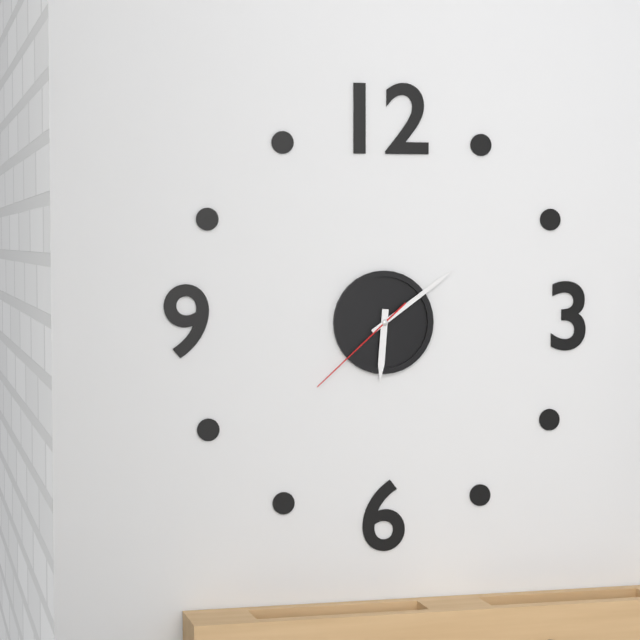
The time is **6:09:38**
